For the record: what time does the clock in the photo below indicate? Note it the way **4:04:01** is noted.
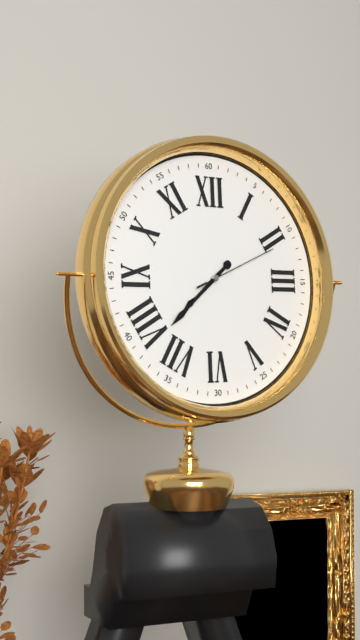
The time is **7:38:11**
